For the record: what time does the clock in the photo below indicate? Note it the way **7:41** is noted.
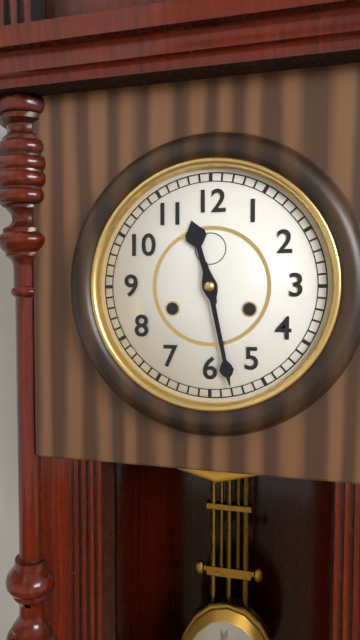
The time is **11:28**
